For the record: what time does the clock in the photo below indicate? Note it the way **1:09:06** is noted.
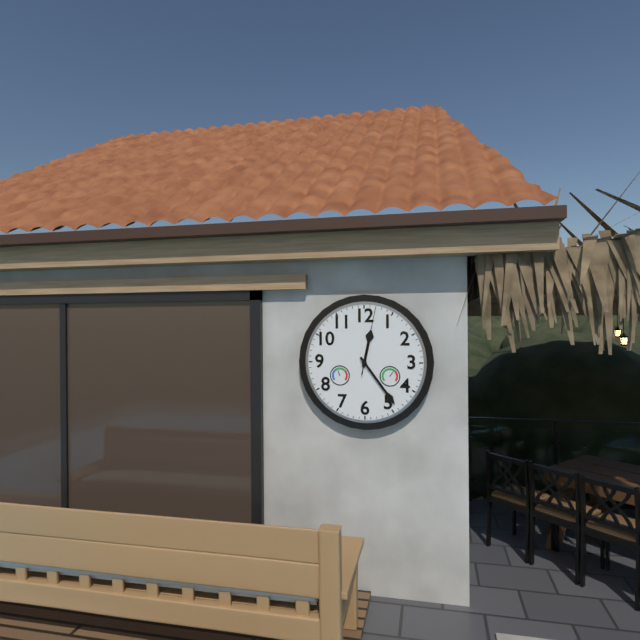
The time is **12:24:02**
